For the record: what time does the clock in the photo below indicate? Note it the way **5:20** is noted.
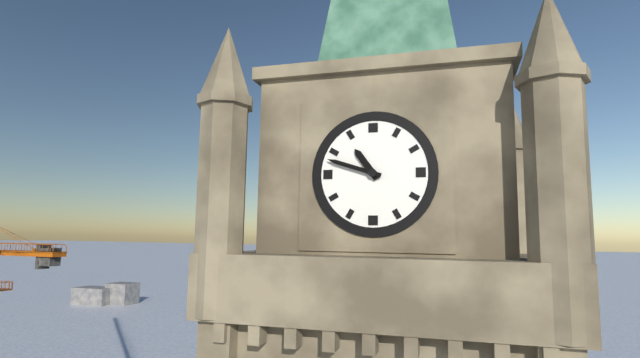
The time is **10:48**
